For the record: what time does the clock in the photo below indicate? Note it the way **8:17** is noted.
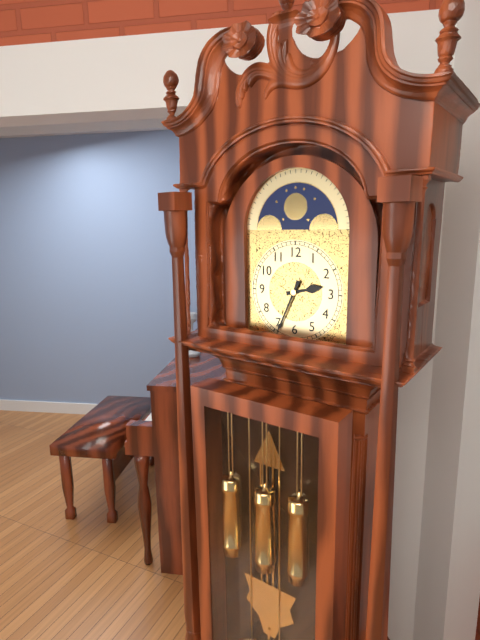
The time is **2:34**
